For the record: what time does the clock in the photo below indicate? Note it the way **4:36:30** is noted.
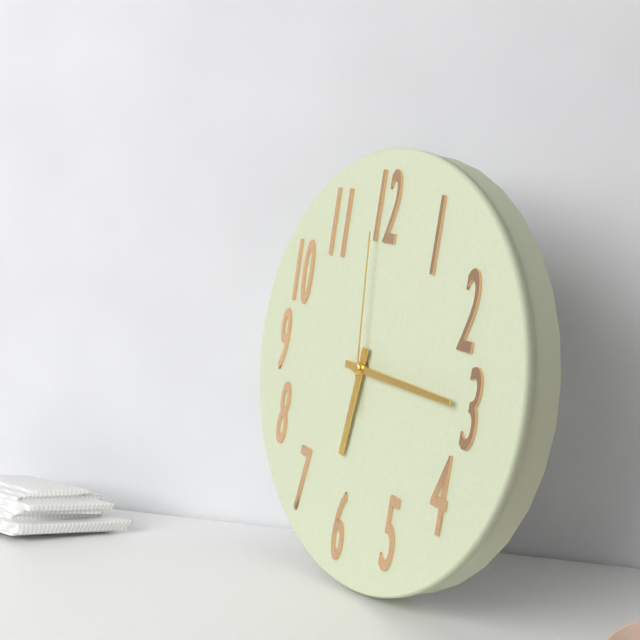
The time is **6:15:59**
